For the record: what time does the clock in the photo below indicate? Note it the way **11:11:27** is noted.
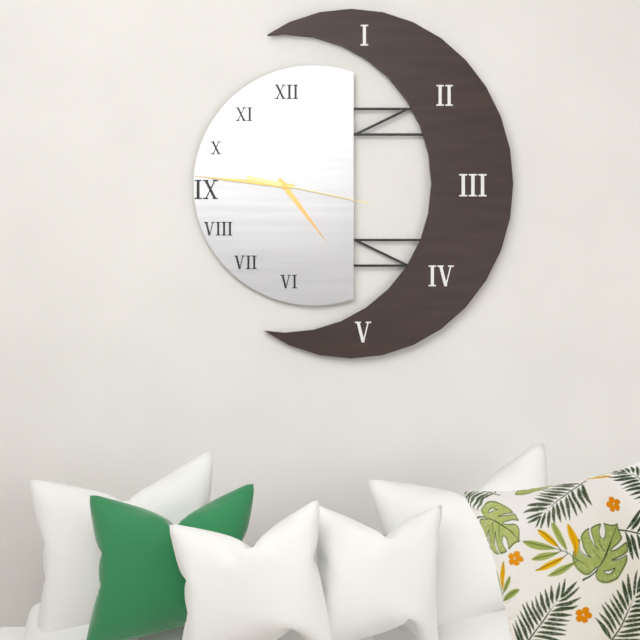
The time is **4:46:17**
